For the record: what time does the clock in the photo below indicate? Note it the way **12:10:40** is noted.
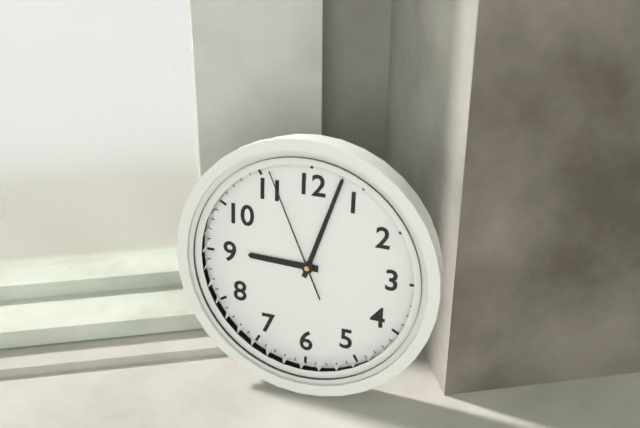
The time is **9:03:56**
